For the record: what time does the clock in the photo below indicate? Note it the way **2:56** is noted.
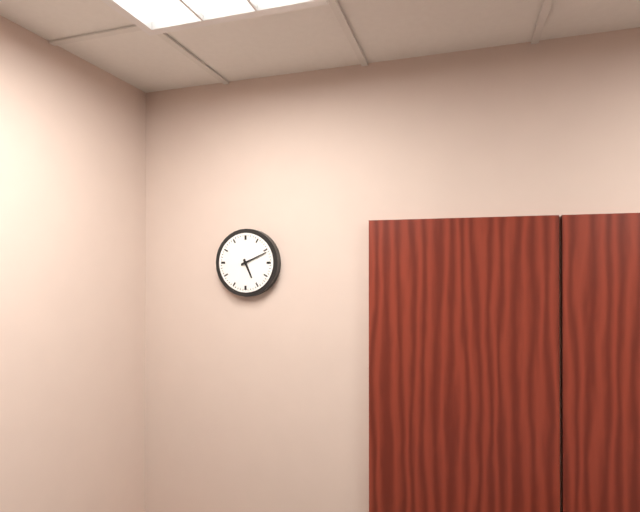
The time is **5:11**
